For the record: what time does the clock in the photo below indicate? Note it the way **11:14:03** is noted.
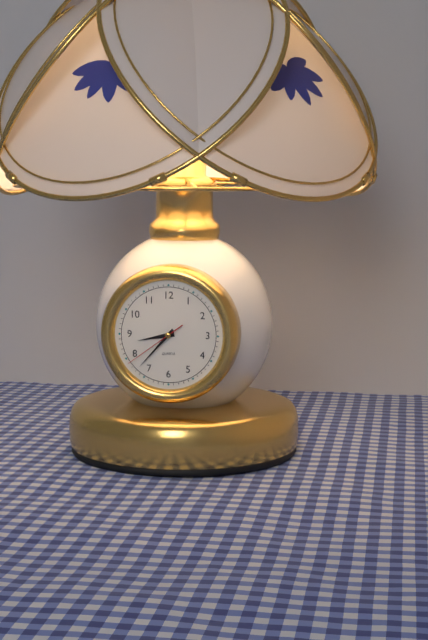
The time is **8:37:39**
